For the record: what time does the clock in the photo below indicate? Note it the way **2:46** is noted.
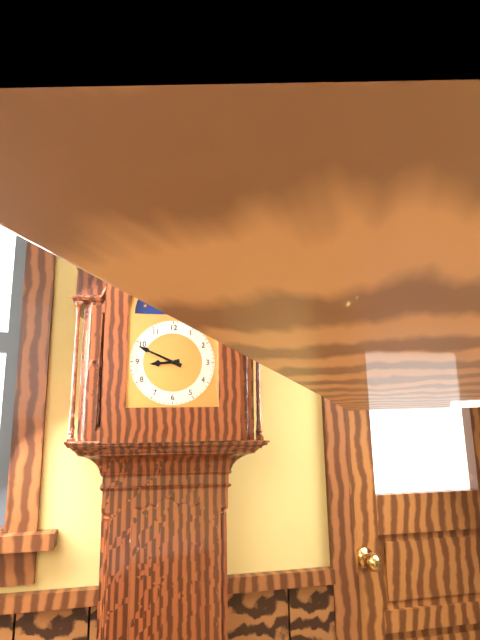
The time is **8:49**
